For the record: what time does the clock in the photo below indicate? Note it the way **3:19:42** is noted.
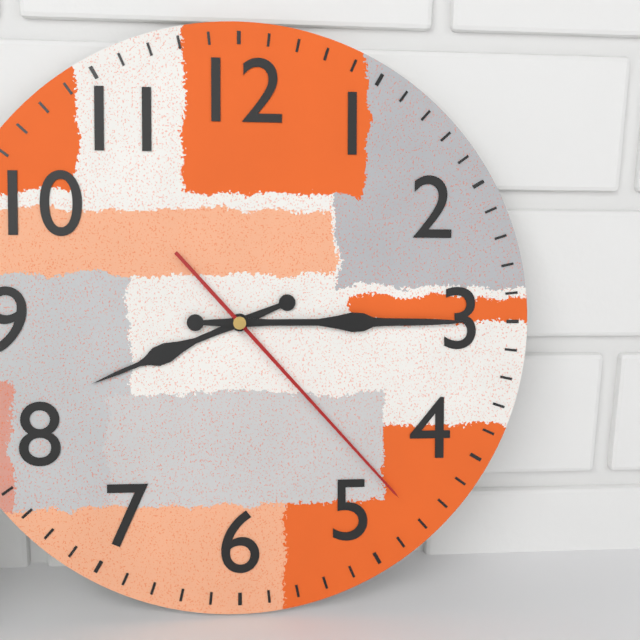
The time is **8:15:23**
